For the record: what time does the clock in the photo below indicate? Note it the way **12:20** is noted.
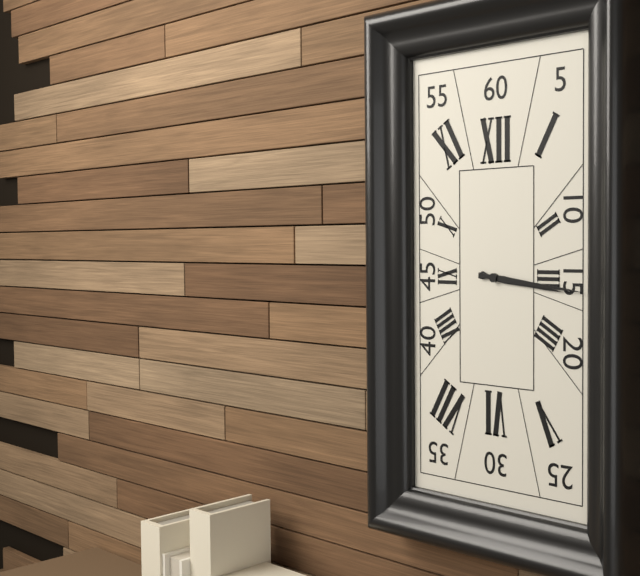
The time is **3:16**
